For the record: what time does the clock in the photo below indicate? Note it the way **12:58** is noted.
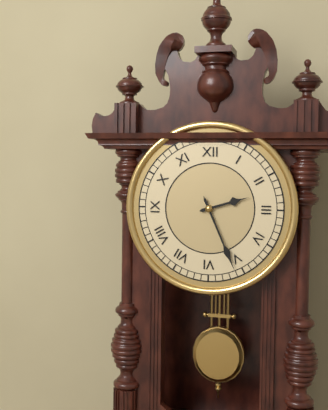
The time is **2:26**
